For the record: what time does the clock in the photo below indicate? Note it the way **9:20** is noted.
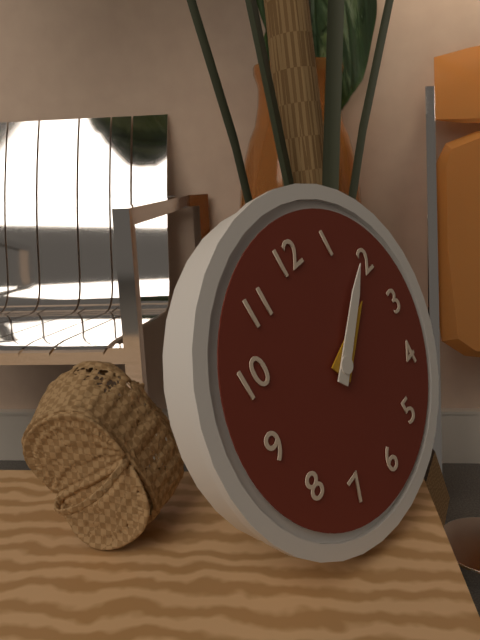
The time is **2:09**
